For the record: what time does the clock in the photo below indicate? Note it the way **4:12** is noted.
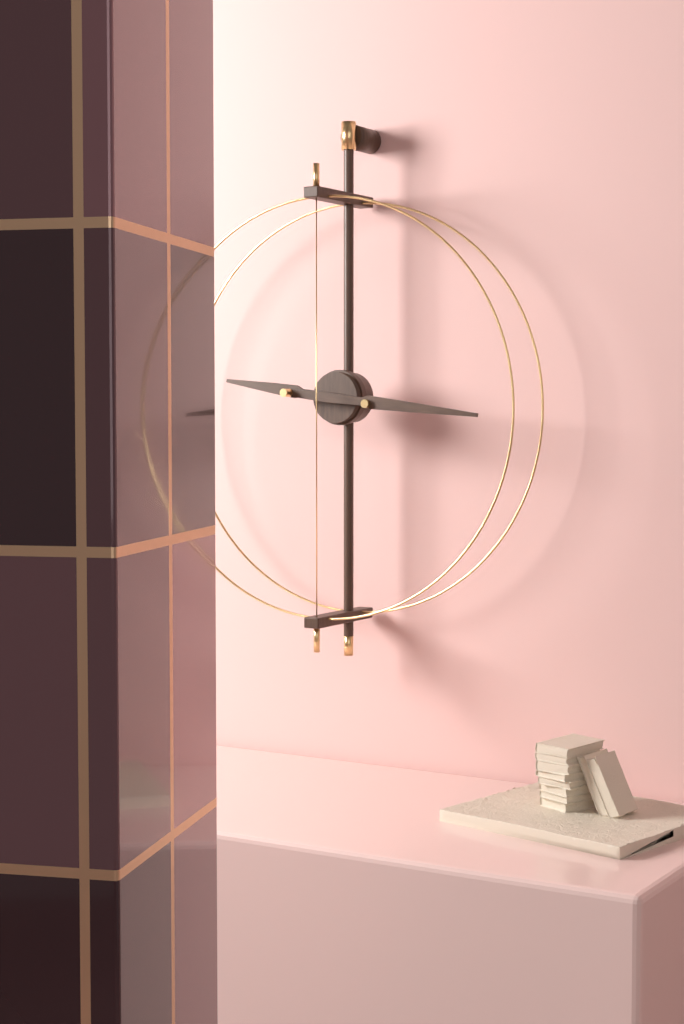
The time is **9:16**
